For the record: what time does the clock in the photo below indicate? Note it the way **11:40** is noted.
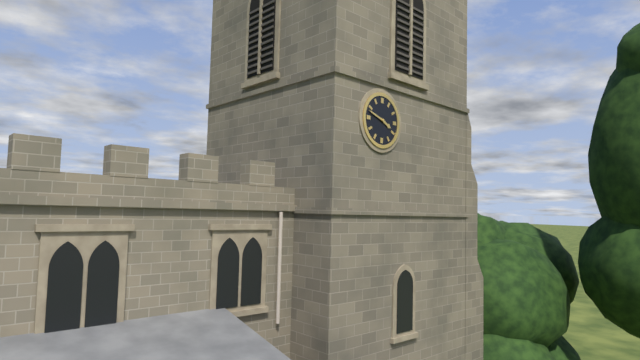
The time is **3:48**
